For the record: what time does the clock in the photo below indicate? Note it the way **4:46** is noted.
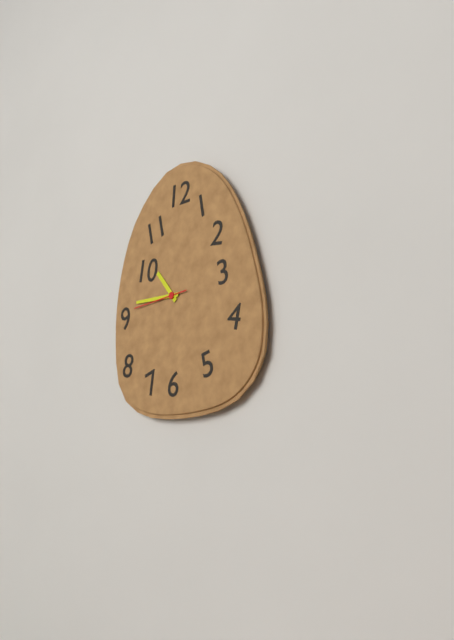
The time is **10:46**
